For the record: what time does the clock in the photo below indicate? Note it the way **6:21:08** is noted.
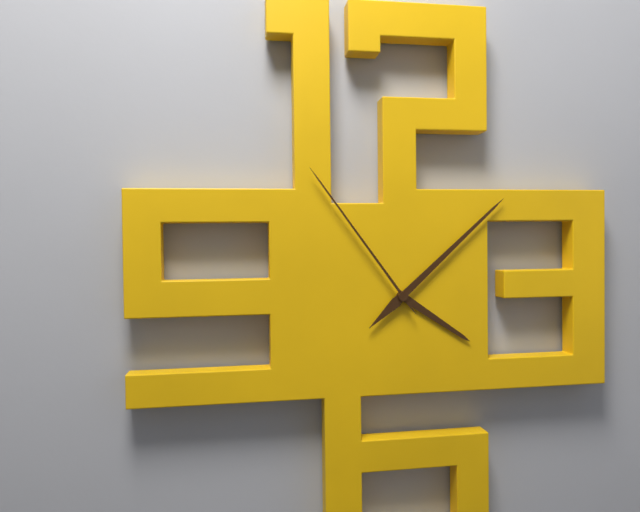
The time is **4:08:54**
